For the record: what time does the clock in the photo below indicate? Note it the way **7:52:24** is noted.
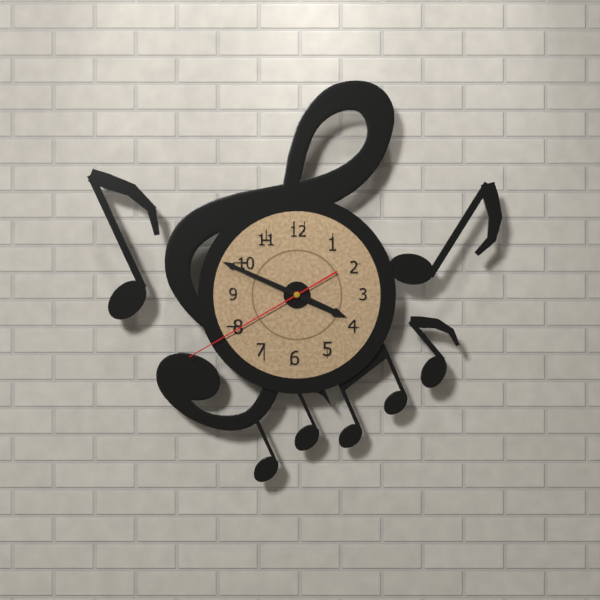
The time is **3:49:40**
